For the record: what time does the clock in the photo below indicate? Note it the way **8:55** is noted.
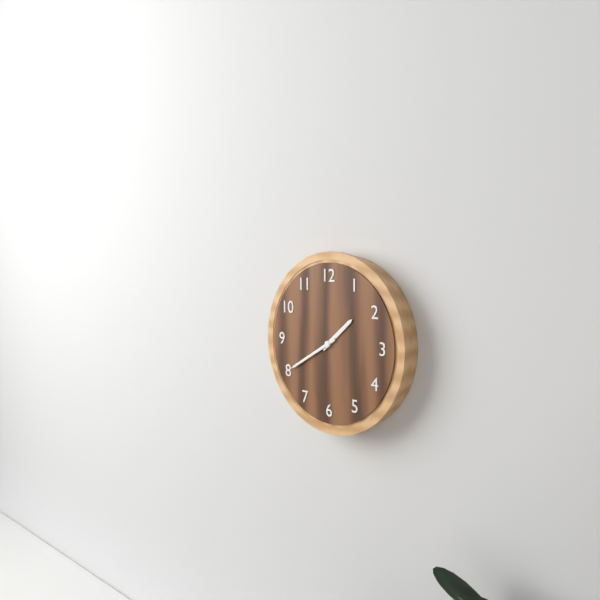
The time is **1:40**
